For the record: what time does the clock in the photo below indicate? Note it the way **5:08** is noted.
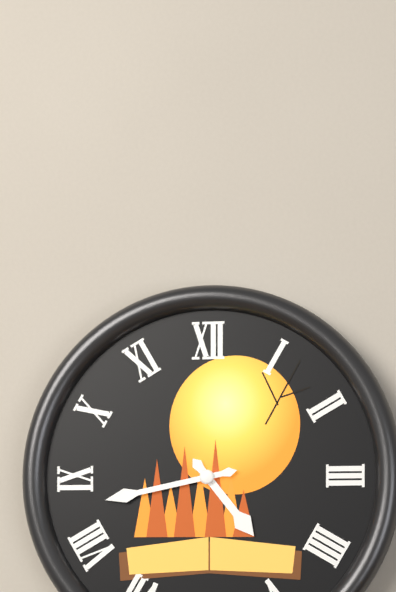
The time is **4:43**
